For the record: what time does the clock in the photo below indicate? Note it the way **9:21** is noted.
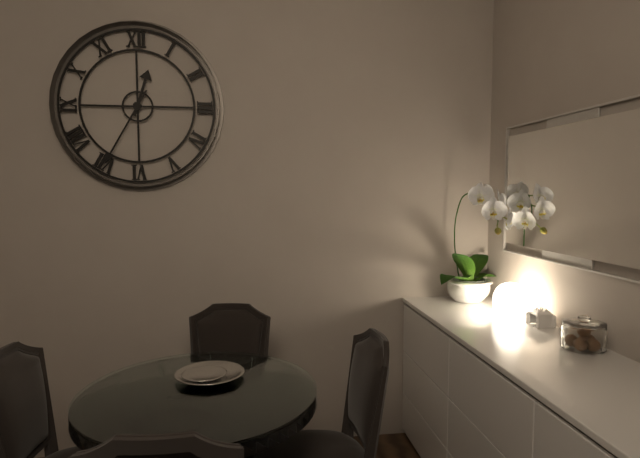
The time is **12:35**
